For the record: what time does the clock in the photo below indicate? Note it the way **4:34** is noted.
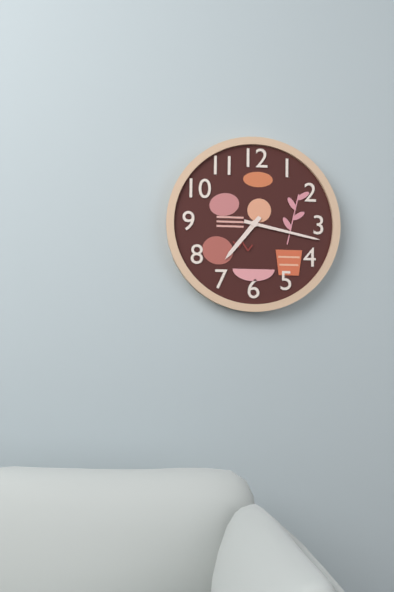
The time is **7:17**
